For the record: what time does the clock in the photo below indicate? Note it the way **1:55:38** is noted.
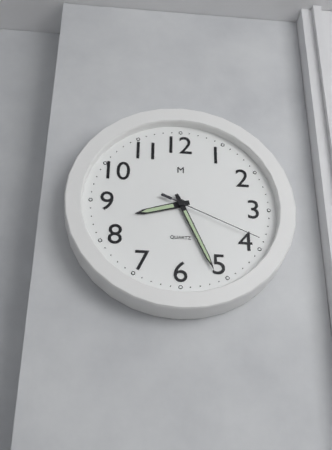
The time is **8:26:19**
